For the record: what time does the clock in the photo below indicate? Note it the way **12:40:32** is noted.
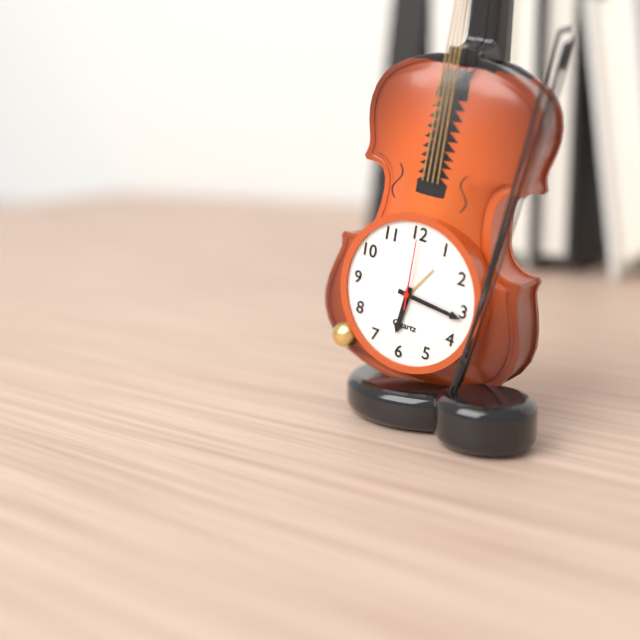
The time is **6:16:00**
